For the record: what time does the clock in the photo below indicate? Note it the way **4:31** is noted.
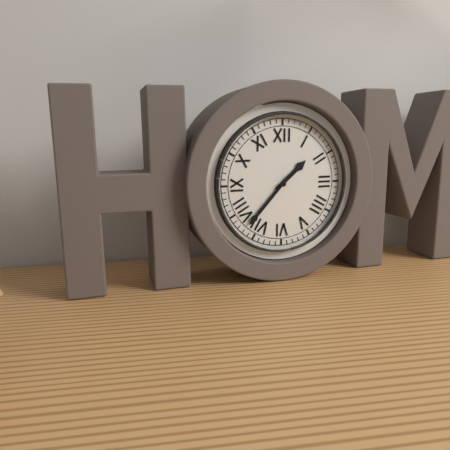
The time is **1:37**
